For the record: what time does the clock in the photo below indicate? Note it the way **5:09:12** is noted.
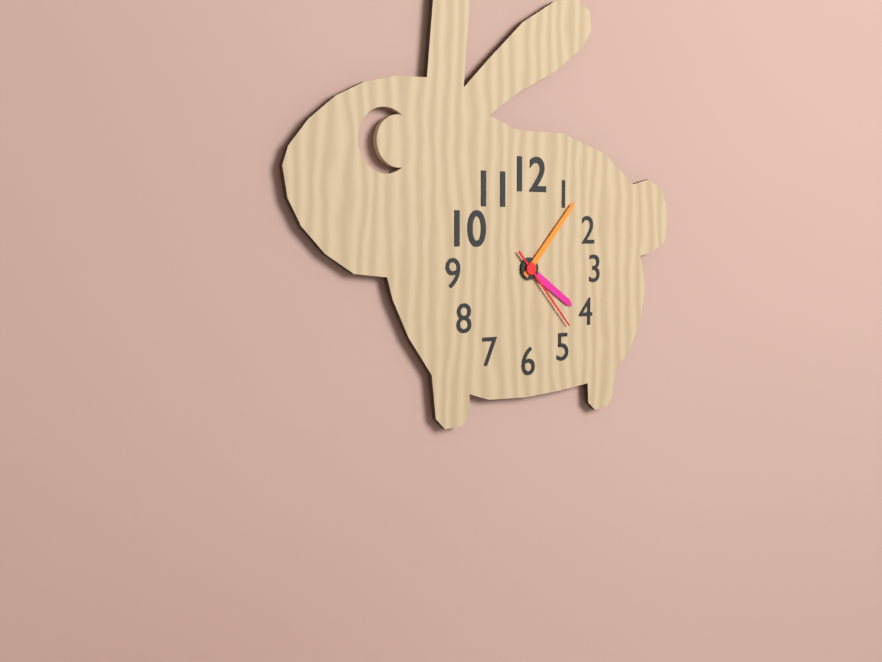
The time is **4:07:23**
